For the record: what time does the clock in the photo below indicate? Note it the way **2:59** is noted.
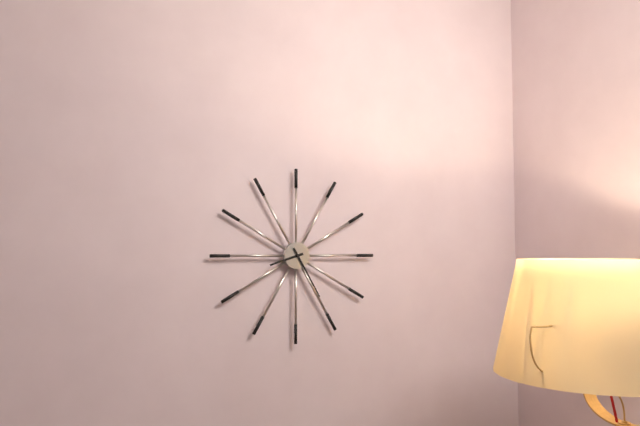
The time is **8:25**
